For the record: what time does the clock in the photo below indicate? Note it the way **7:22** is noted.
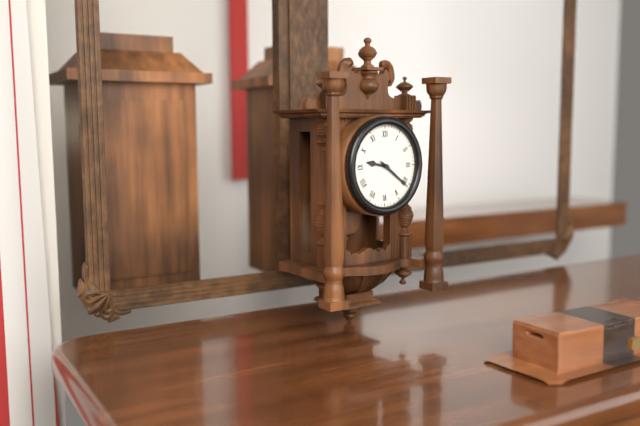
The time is **9:21**
